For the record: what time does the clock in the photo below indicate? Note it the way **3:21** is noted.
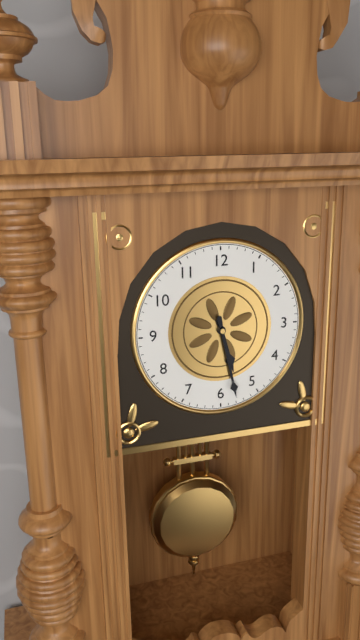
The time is **5:28**
